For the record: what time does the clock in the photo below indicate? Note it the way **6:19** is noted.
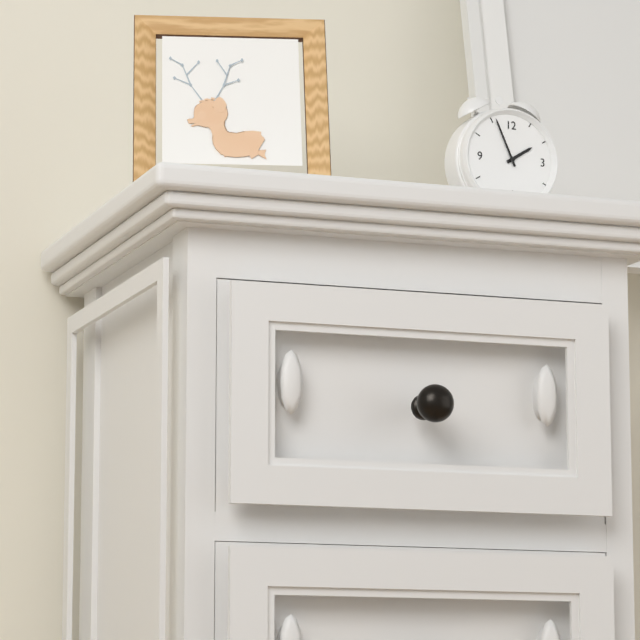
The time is **1:56**
